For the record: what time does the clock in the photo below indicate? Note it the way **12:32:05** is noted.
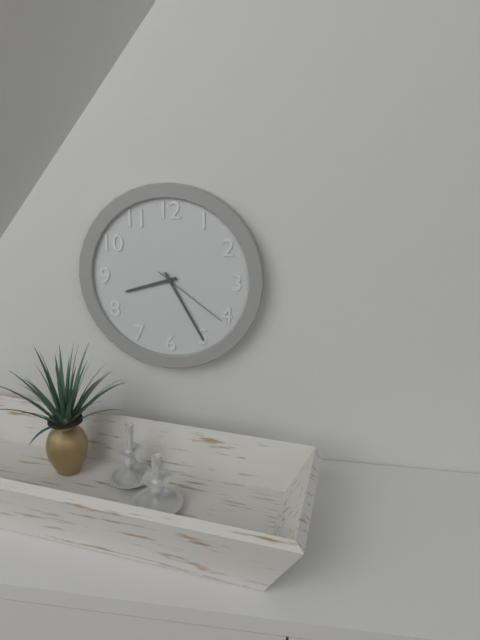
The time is **8:25:21**
